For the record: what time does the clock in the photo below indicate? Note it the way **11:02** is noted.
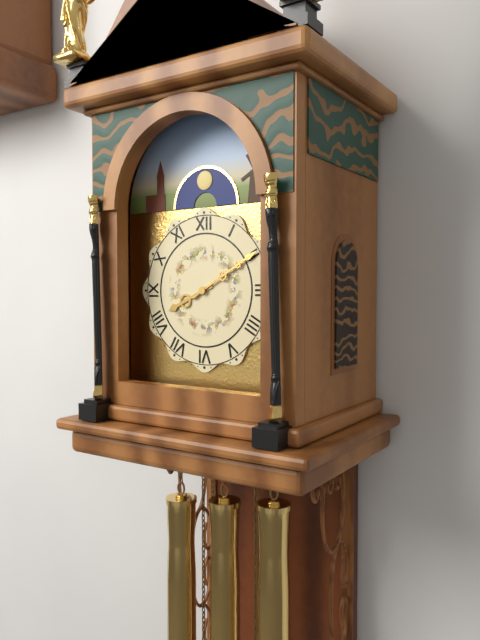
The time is **8:10**
